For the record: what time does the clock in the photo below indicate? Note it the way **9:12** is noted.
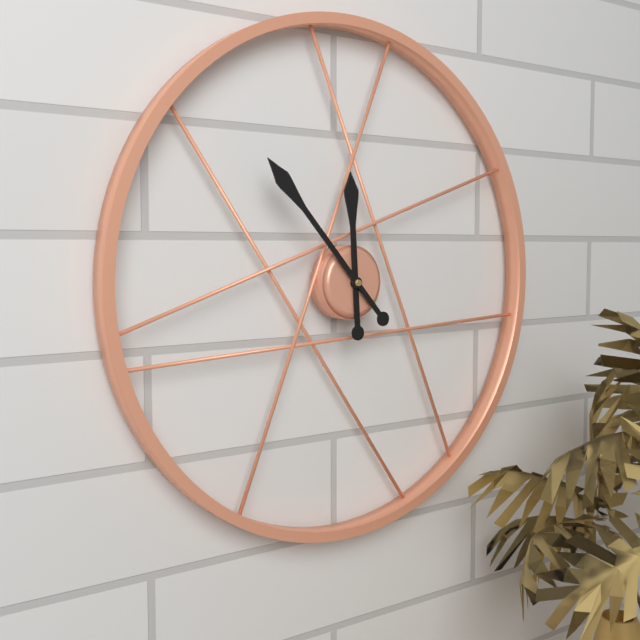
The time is **11:53**
